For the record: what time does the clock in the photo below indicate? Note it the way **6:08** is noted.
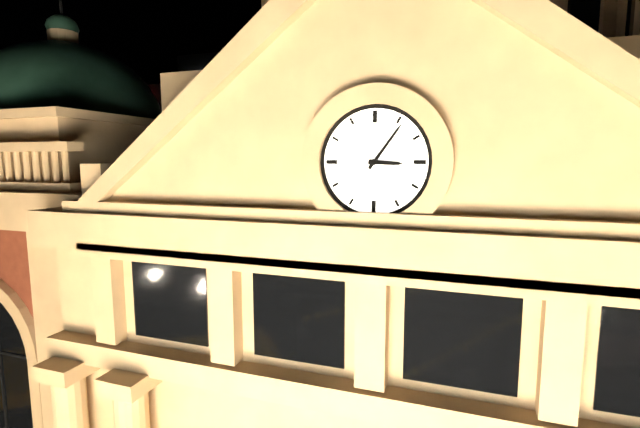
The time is **3:06**
